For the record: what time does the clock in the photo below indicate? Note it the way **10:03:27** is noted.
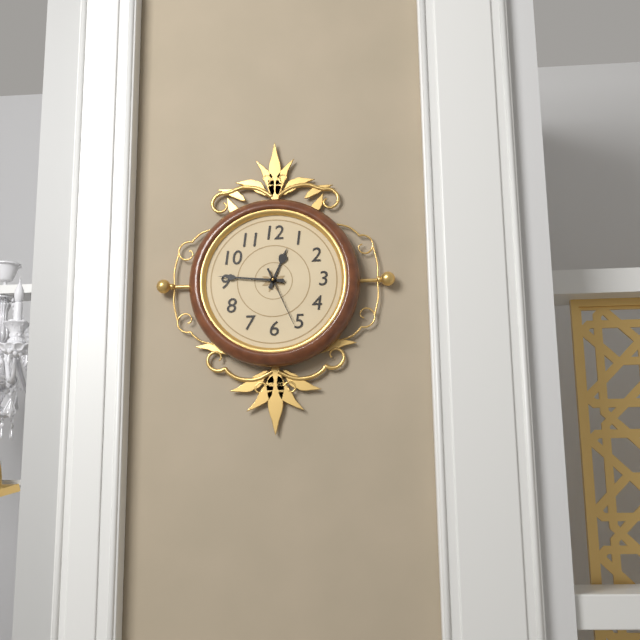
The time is **12:46:26**
